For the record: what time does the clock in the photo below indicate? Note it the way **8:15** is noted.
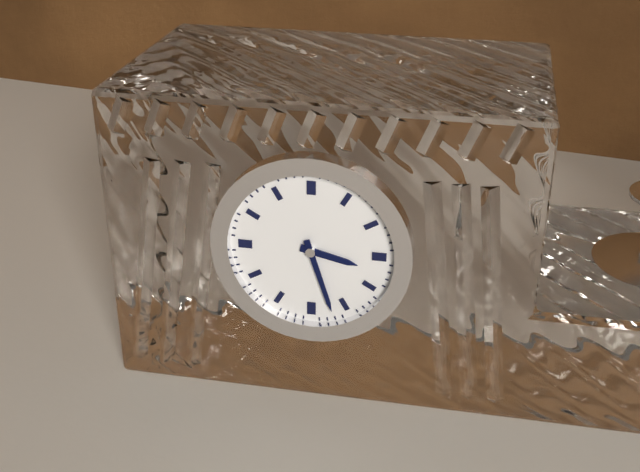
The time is **3:27**
